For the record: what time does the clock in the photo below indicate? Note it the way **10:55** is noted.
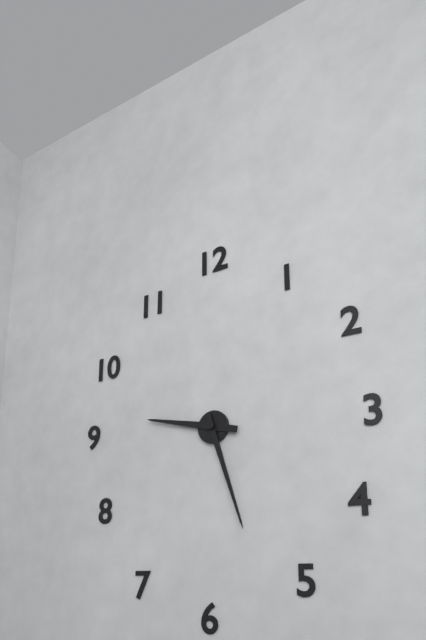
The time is **9:27**
